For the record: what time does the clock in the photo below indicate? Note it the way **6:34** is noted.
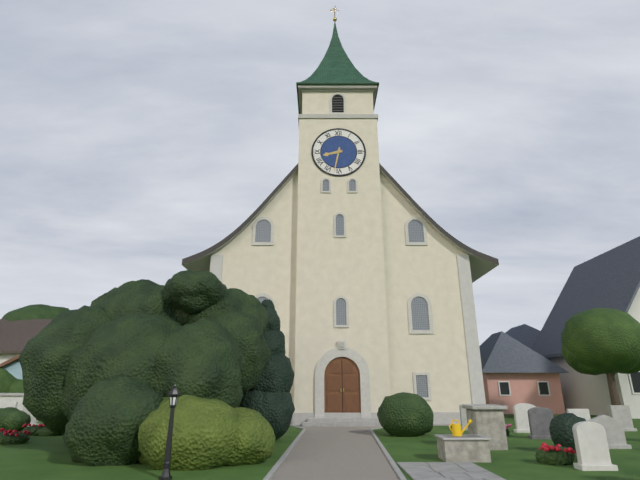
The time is **8:32**
